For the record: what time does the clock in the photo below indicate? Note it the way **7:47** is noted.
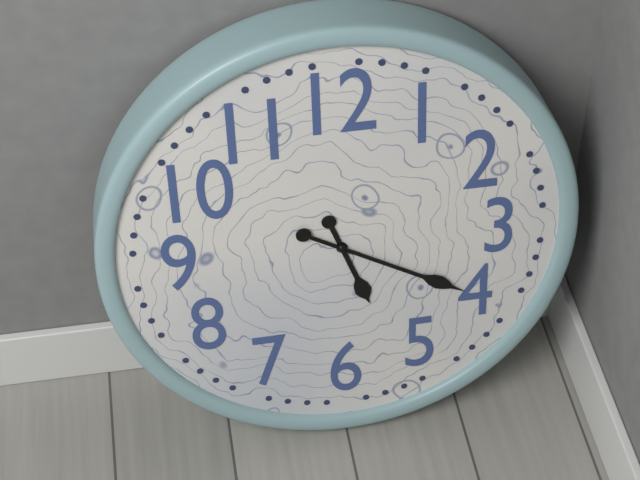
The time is **5:20**
